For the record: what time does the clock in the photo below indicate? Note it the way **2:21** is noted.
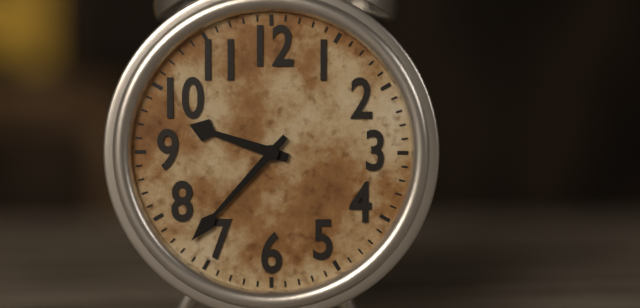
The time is **9:37**
